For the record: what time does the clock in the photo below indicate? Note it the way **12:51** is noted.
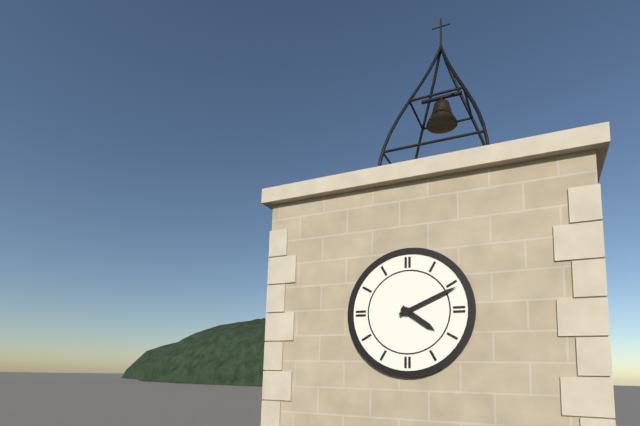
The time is **4:11**
